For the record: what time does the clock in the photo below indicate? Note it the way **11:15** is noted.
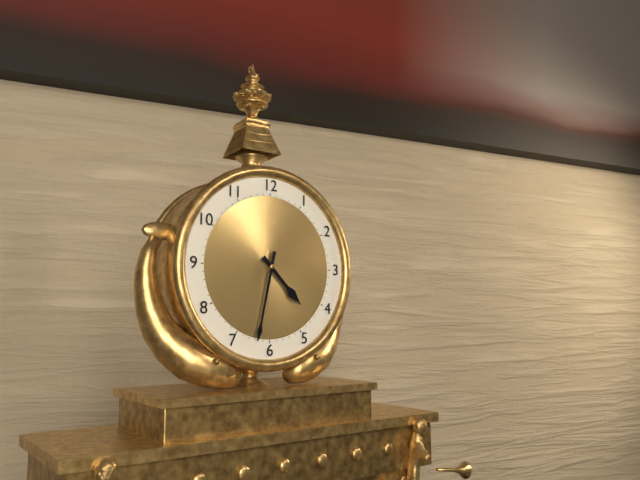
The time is **4:32**
